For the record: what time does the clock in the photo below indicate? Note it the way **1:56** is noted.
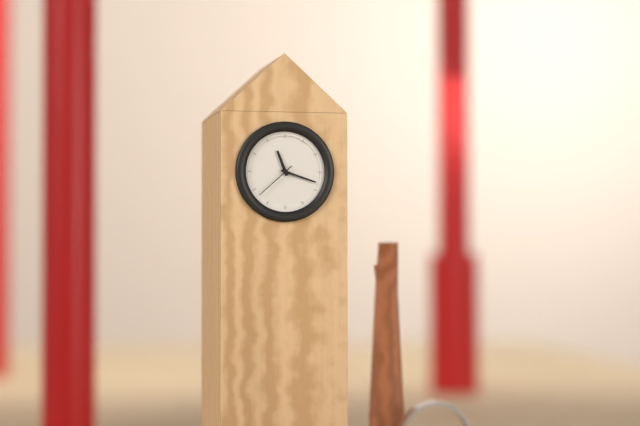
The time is **11:18**
